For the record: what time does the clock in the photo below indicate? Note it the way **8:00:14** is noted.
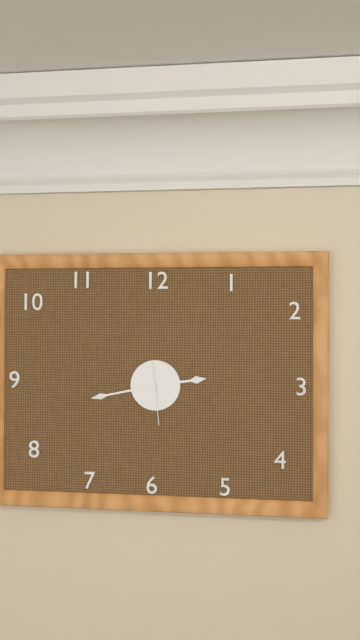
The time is **2:43:29**
